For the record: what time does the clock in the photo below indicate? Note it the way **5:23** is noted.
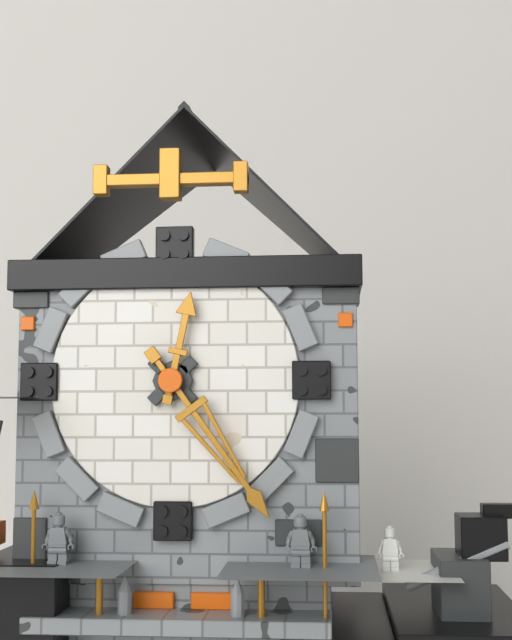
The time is **12:24**
